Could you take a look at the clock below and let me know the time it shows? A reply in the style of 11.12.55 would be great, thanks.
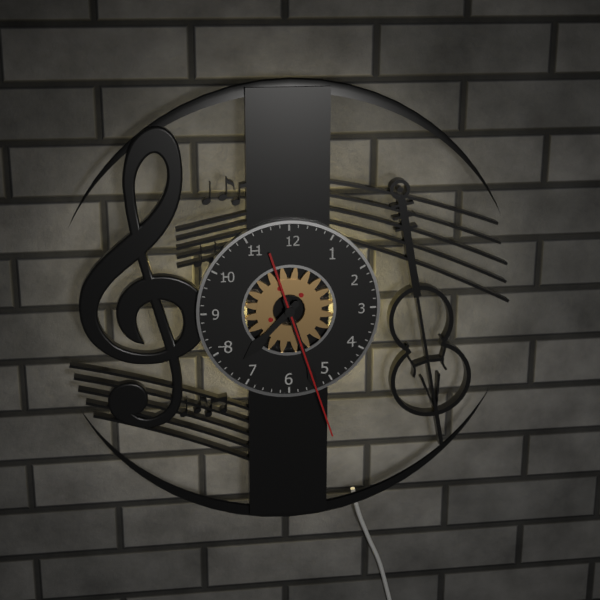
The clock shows 7.27.27
